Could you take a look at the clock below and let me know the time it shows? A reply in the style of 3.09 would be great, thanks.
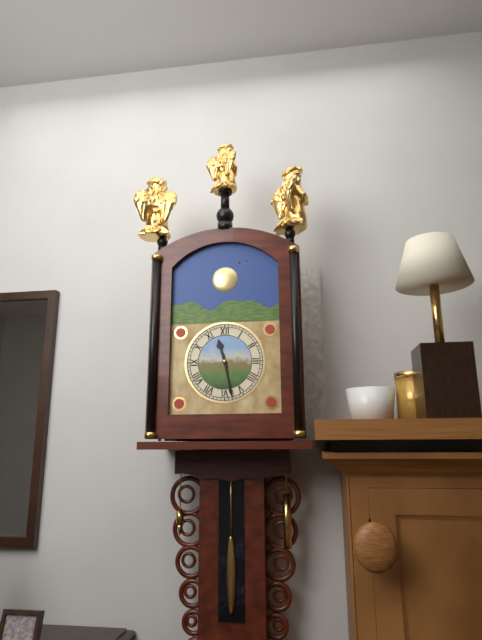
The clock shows 11.28
